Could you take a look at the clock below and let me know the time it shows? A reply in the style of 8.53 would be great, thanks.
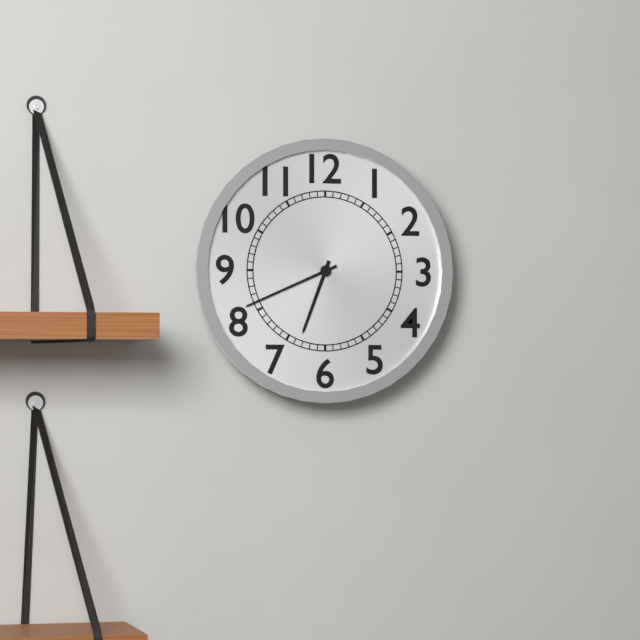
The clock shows 6.41
